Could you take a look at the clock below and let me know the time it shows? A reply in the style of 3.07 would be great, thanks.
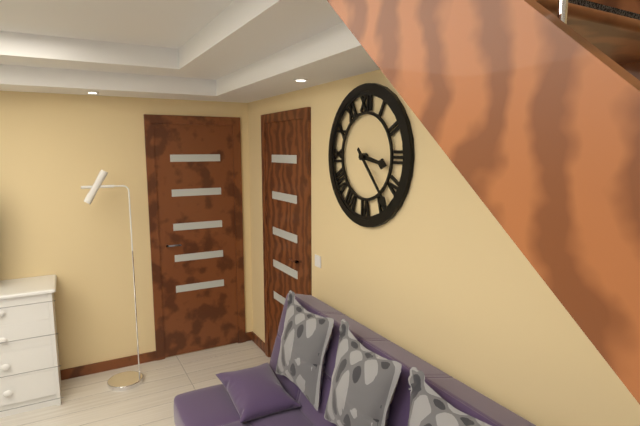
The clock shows 3.23
